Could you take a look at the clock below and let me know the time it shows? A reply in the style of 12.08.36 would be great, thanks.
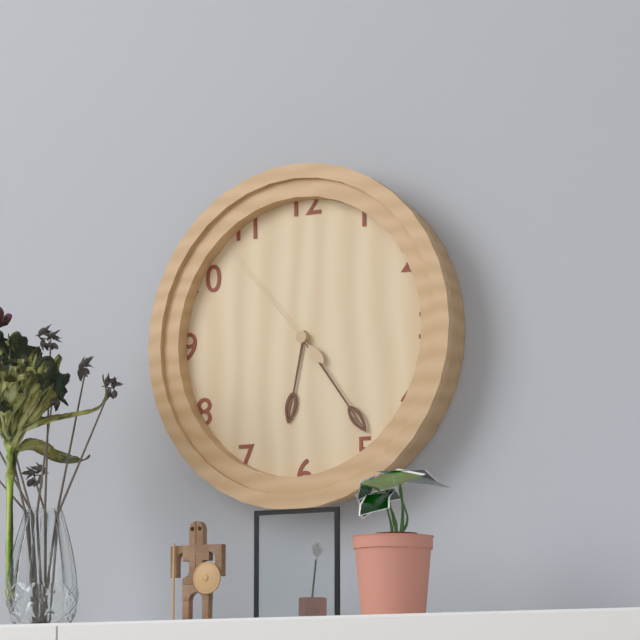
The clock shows 6.24.53
